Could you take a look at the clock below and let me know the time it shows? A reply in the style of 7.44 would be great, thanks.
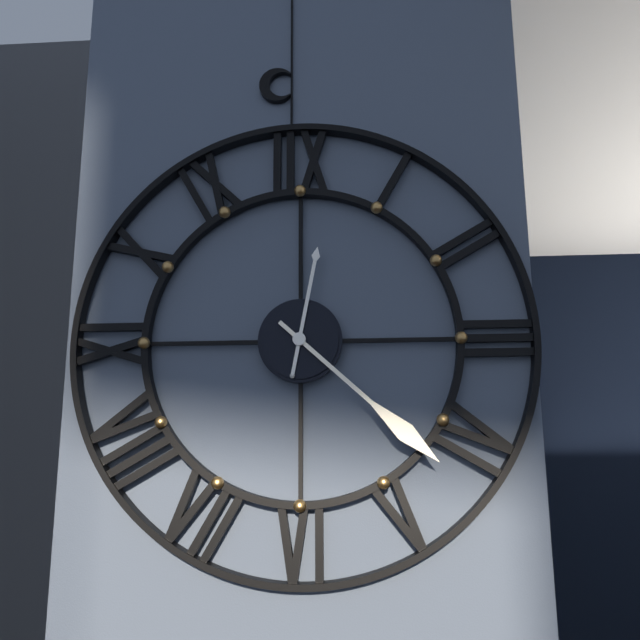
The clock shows 12.22
